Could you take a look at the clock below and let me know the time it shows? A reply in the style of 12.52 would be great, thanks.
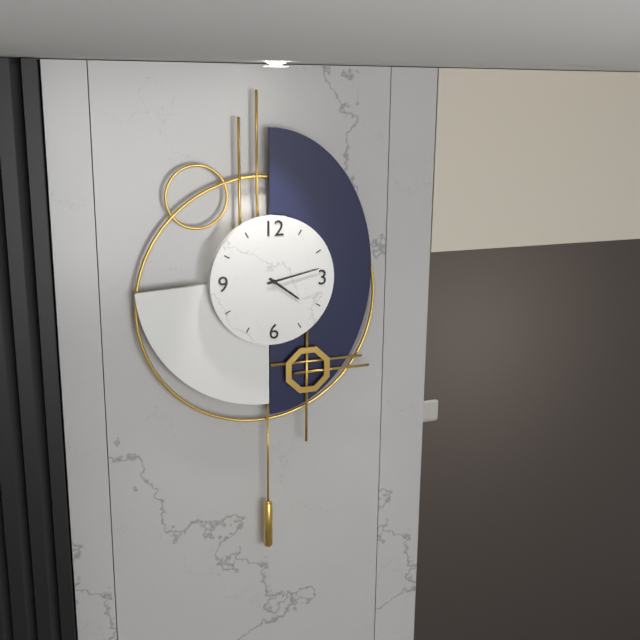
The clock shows 4.13
